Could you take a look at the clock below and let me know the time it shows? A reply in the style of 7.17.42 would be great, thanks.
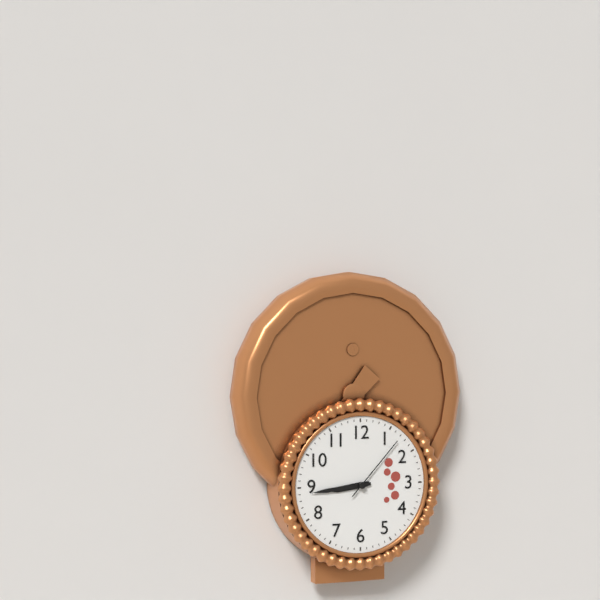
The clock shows 8.44.07
